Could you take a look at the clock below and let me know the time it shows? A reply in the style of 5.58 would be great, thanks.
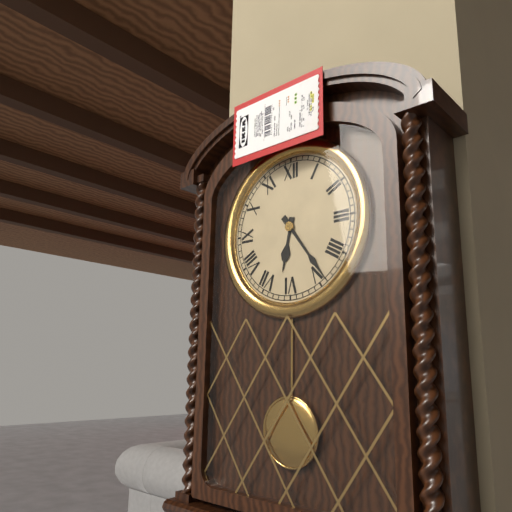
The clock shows 6.24
